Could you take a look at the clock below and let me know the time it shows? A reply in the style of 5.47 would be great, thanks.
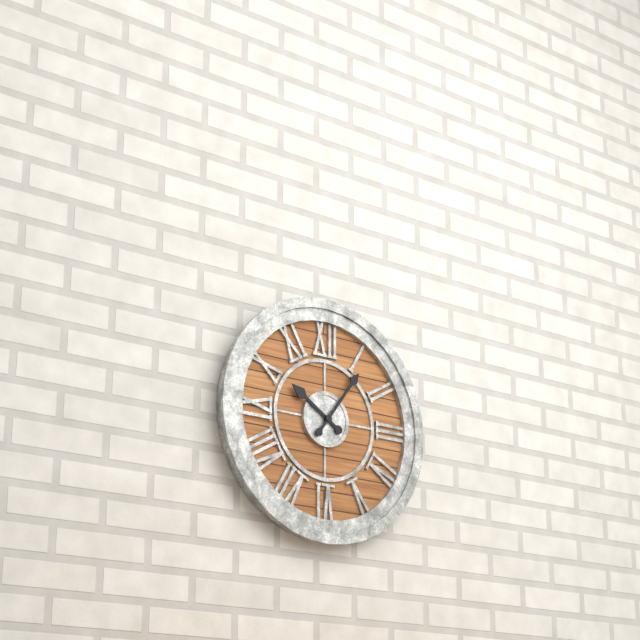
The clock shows 10.06
